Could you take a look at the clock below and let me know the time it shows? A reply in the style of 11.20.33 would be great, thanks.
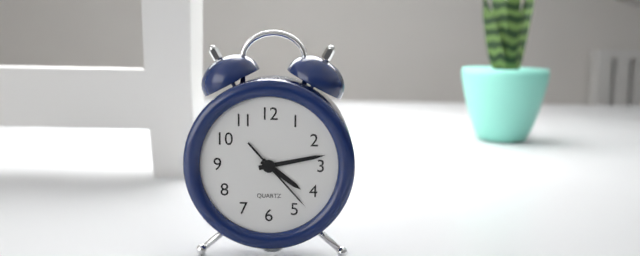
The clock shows 4.13.23
